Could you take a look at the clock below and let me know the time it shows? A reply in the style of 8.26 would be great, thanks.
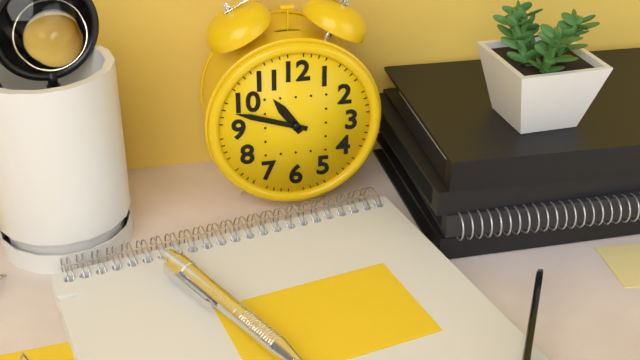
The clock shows 10.48
